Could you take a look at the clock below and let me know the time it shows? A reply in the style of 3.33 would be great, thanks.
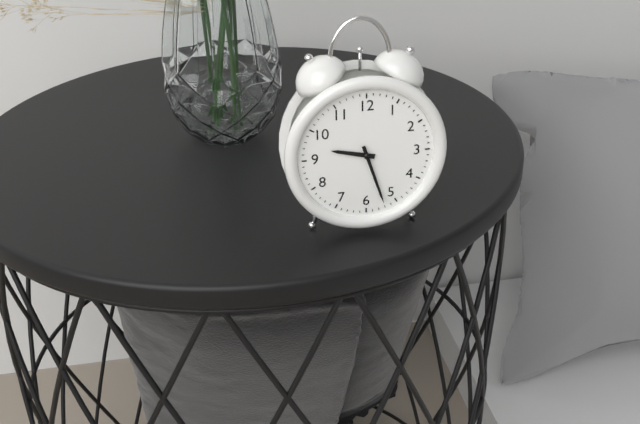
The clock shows 9.27
